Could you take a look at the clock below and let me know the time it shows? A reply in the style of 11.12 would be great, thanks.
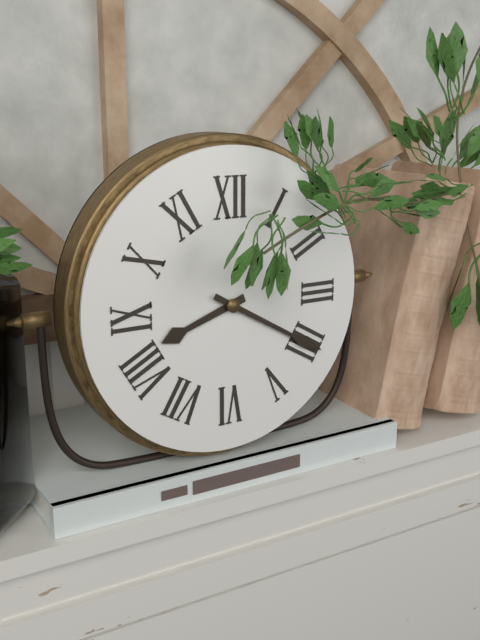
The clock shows 8.20
